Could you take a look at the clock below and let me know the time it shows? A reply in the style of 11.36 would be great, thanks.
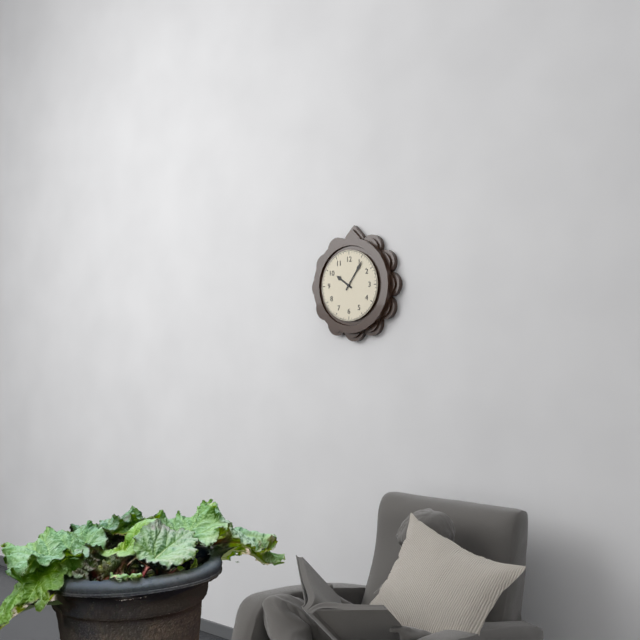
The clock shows 10.06
